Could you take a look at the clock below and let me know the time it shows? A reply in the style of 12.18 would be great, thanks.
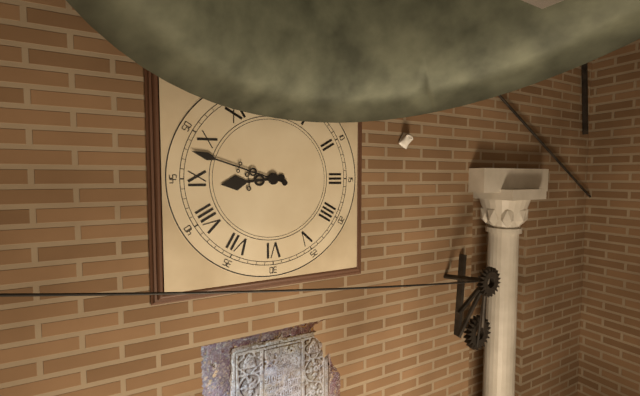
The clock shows 8.48
